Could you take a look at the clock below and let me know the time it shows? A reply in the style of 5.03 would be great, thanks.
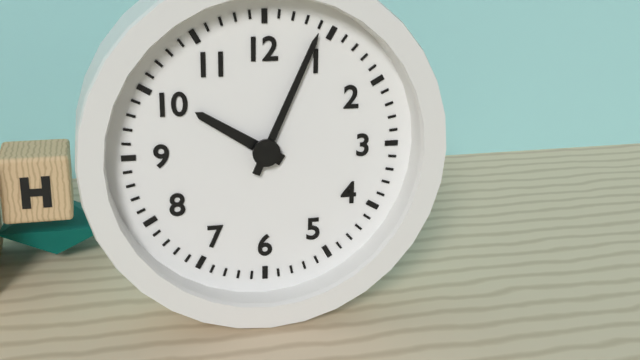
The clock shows 10.04
